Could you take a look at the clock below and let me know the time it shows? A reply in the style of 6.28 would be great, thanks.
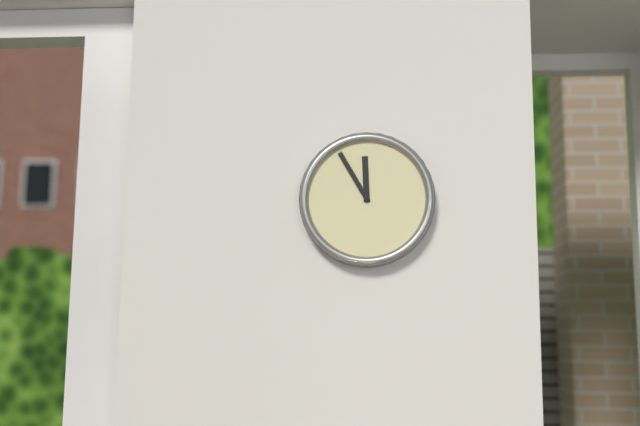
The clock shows 11.55
